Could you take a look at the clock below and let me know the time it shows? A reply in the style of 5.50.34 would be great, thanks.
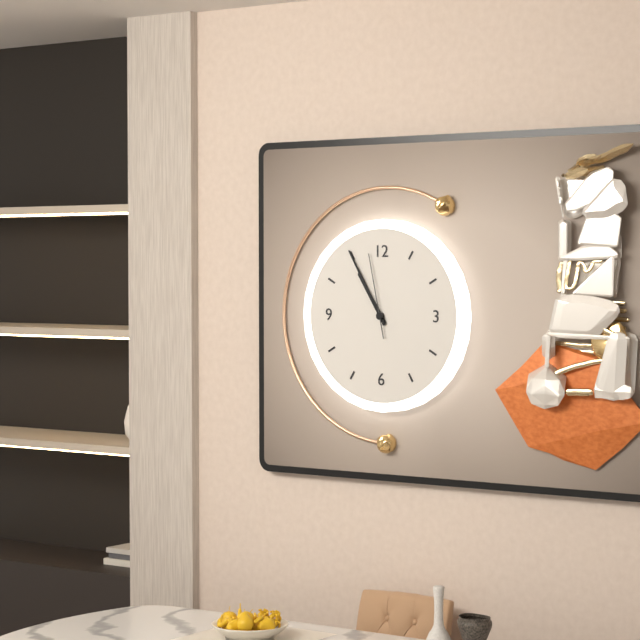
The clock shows 10.55.58
